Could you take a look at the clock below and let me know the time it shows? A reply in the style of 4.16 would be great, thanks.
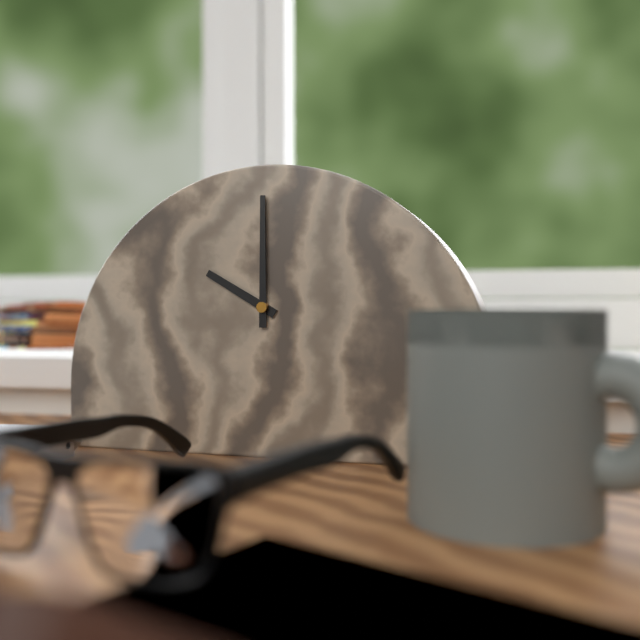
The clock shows 10.00
